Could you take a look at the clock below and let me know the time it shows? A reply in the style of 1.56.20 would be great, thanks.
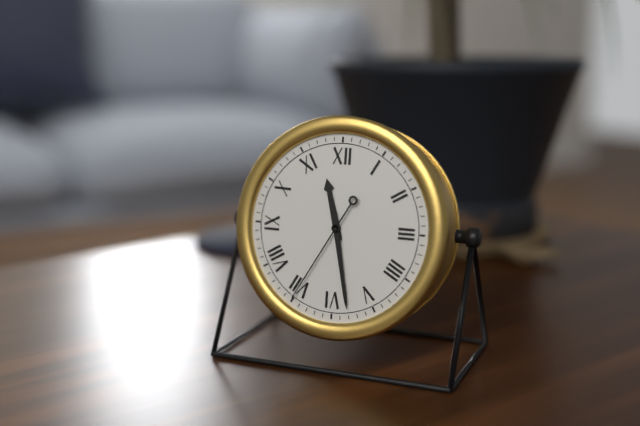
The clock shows 11.28.35
